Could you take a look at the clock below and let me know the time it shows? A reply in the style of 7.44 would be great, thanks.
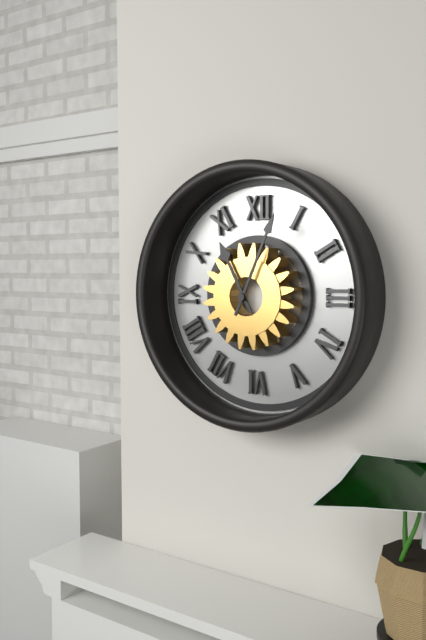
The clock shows 11.04
